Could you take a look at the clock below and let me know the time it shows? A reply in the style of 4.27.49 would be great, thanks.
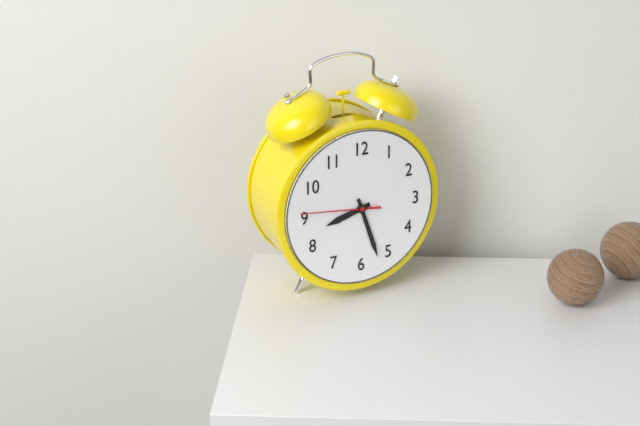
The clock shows 8.27.46
